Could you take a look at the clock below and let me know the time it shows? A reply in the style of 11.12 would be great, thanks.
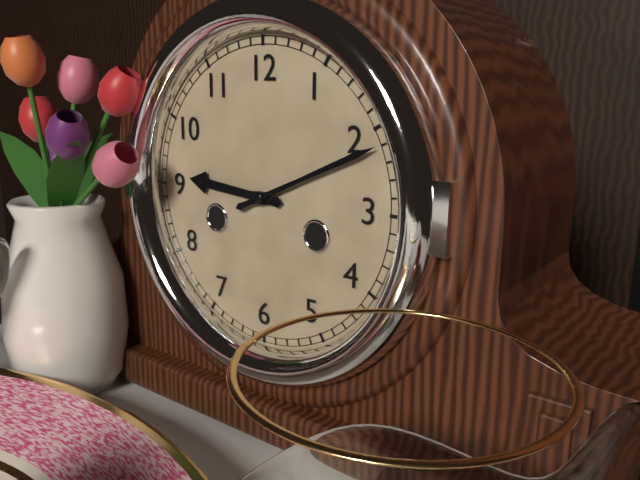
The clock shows 9.11
